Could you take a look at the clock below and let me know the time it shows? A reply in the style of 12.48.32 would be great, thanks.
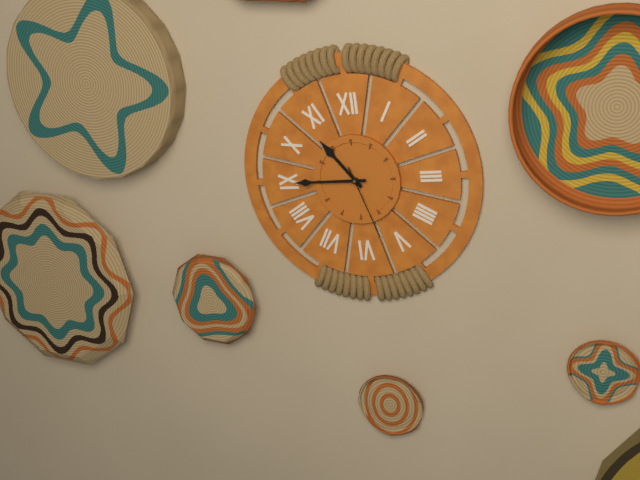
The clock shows 10.45.27
